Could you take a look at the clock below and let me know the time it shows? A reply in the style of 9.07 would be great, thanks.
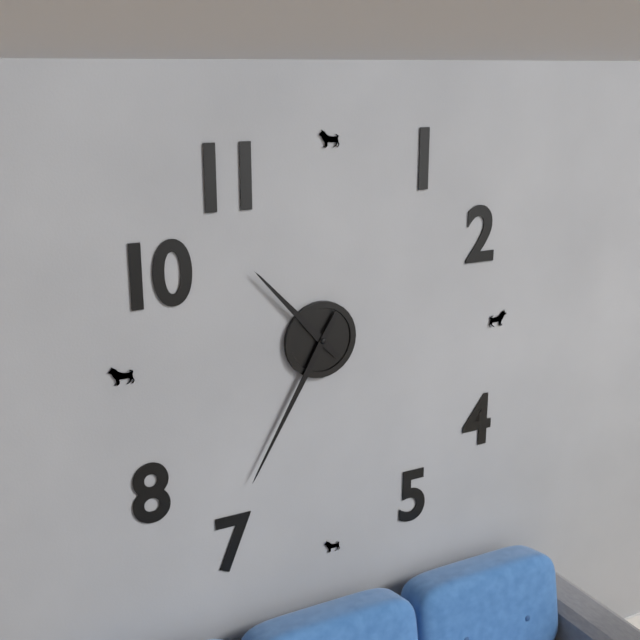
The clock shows 10.35
